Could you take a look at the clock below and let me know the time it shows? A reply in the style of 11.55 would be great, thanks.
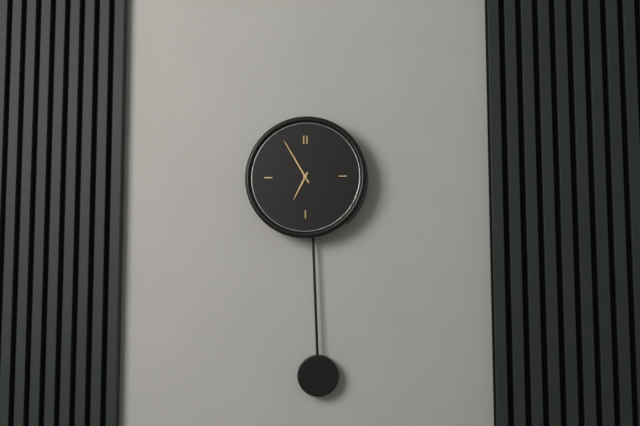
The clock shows 6.55
